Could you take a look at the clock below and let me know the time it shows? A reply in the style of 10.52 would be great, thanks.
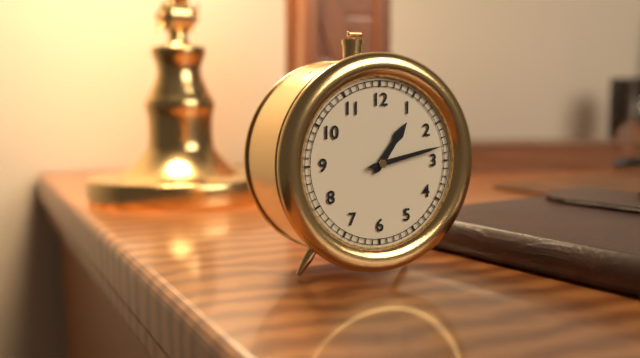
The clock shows 1.13
